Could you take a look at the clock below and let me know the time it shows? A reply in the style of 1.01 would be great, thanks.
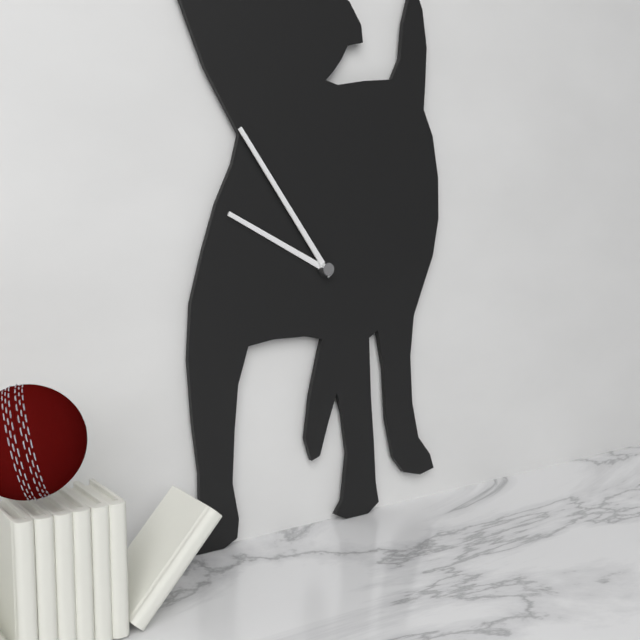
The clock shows 9.54
